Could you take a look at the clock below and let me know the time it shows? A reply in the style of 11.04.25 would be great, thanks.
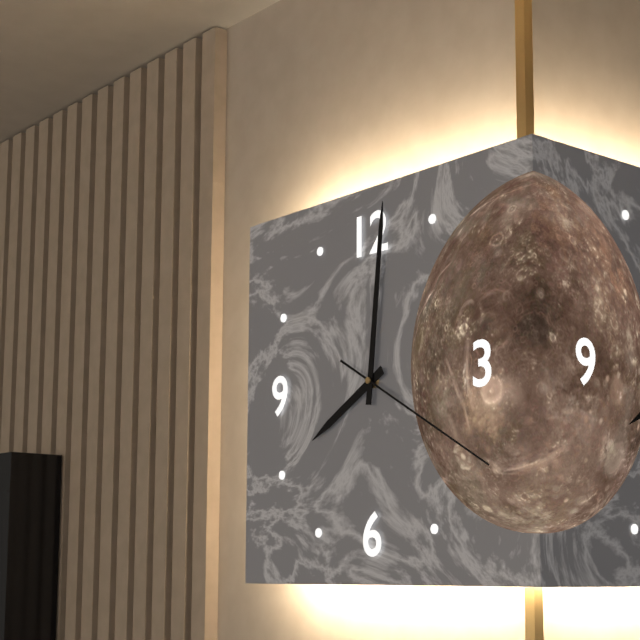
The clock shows 8.01.20
